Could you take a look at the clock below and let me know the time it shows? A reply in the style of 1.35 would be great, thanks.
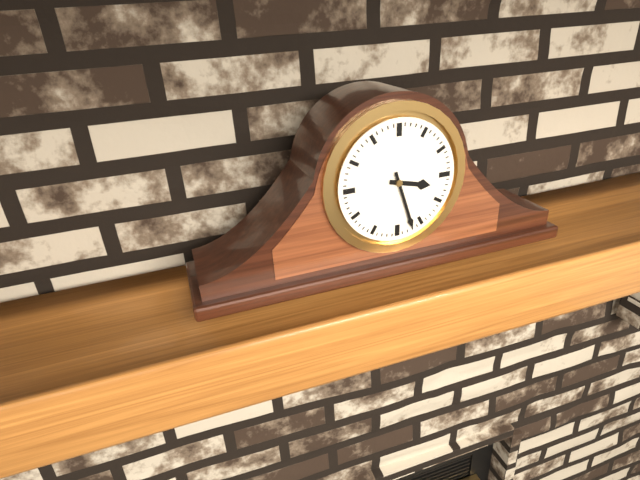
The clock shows 3.27
